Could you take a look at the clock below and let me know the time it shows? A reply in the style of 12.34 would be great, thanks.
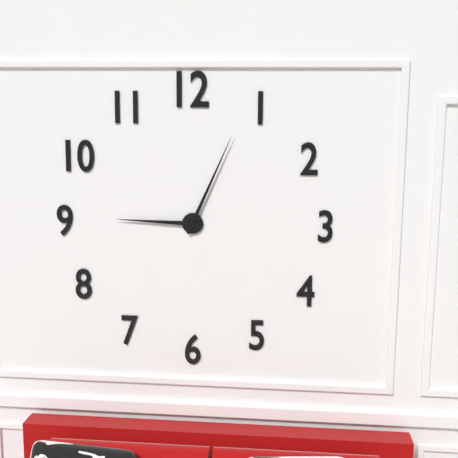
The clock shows 9.04
